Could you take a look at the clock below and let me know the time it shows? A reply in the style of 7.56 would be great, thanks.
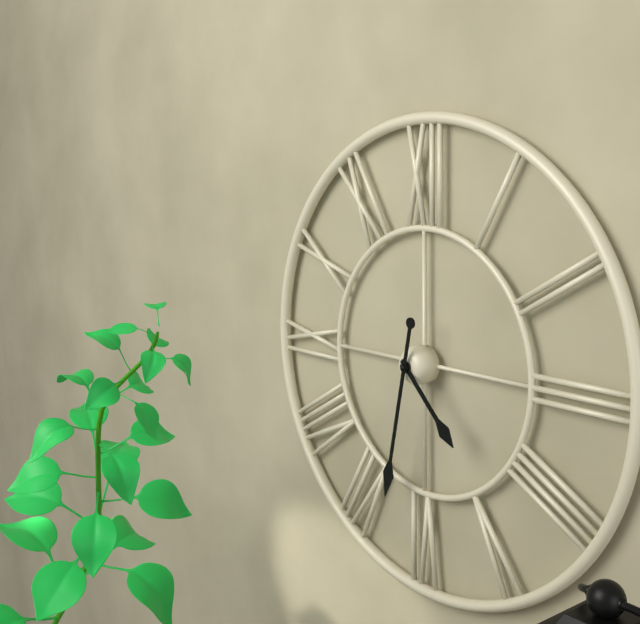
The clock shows 4.32
